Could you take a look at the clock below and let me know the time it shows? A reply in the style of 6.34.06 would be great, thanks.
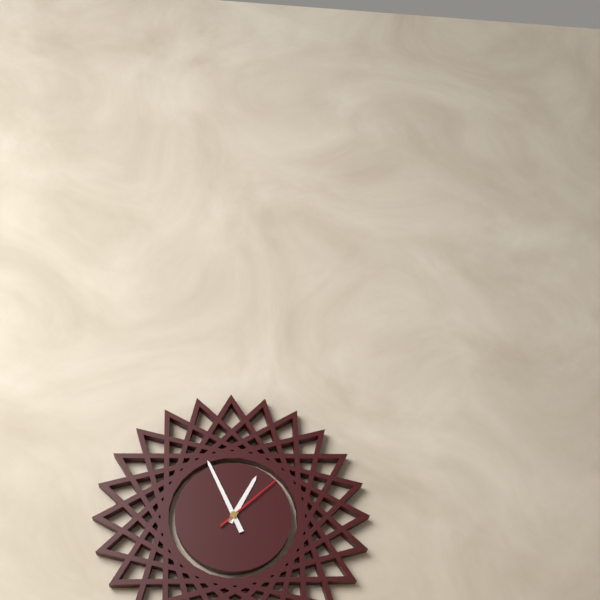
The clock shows 12.56.08
